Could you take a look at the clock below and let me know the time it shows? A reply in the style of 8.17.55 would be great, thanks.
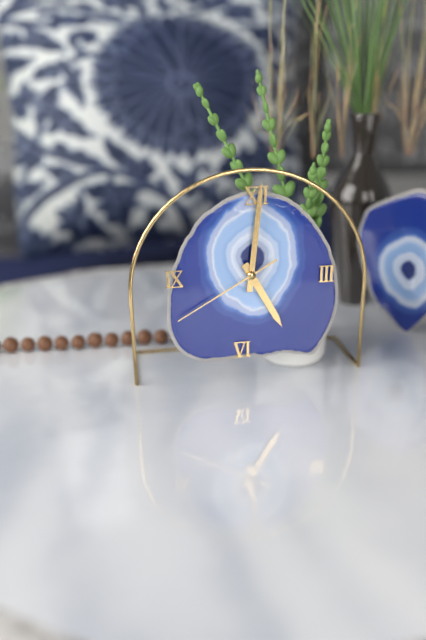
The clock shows 5.01.40
